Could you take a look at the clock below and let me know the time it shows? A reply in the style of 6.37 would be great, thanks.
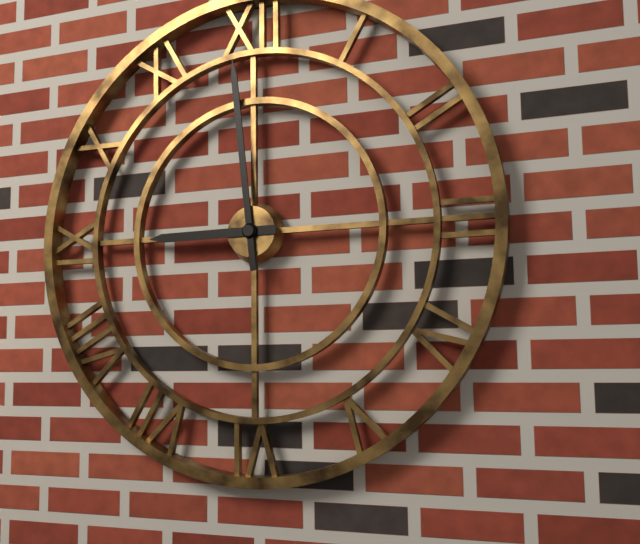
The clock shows 8.59
